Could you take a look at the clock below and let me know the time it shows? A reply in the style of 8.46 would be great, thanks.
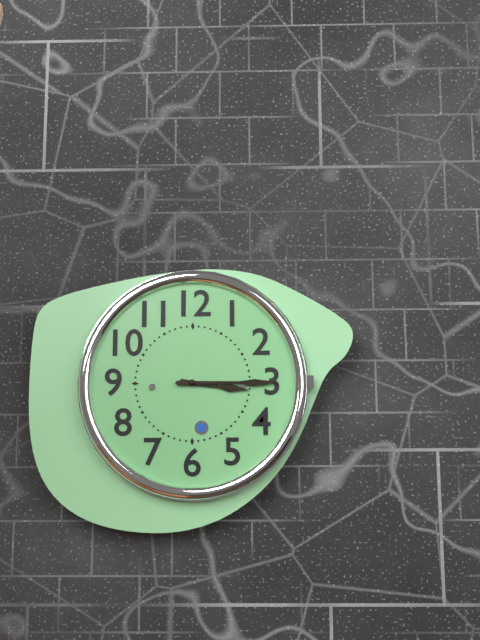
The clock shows 3.15
